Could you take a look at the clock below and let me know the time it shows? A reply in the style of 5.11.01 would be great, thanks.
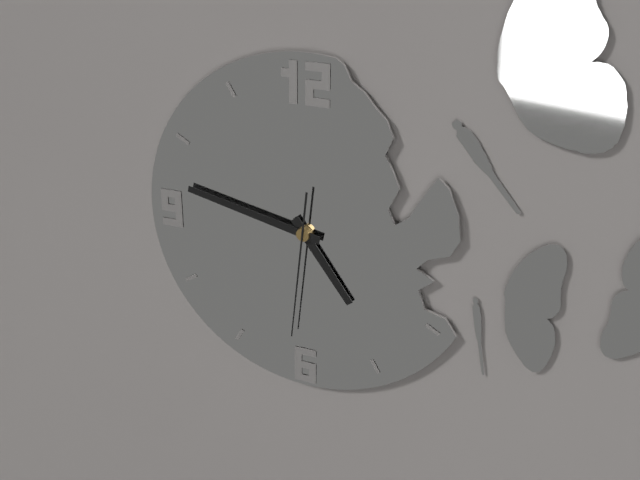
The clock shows 4.47.31
